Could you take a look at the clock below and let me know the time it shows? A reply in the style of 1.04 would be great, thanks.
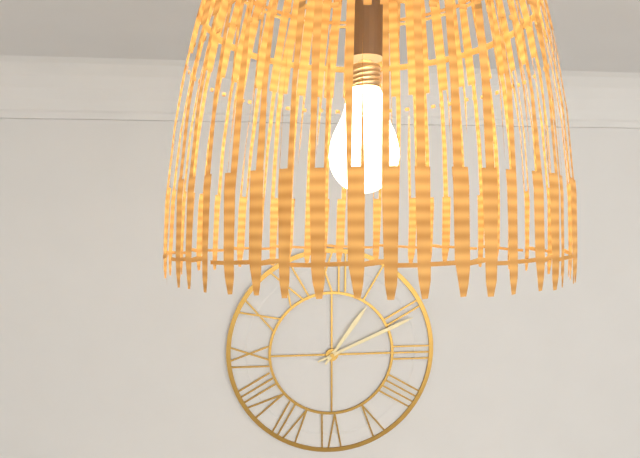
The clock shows 1.11
